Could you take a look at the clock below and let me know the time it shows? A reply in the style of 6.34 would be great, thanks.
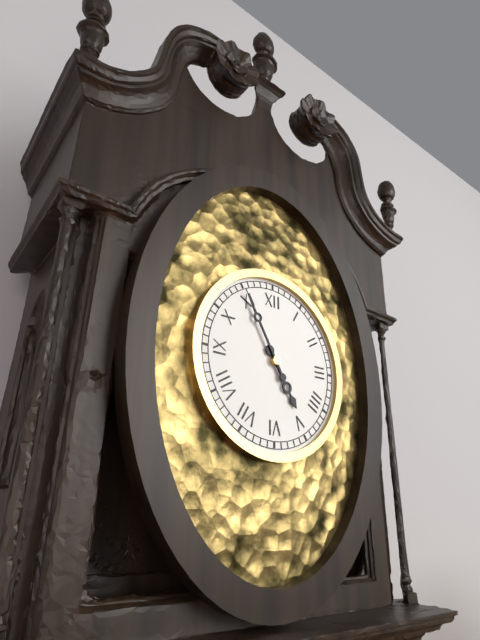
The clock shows 4.55
